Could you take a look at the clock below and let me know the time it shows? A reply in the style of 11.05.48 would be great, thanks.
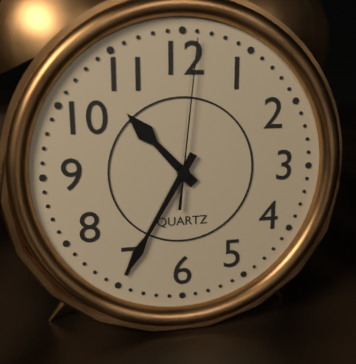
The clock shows 10.35.01
